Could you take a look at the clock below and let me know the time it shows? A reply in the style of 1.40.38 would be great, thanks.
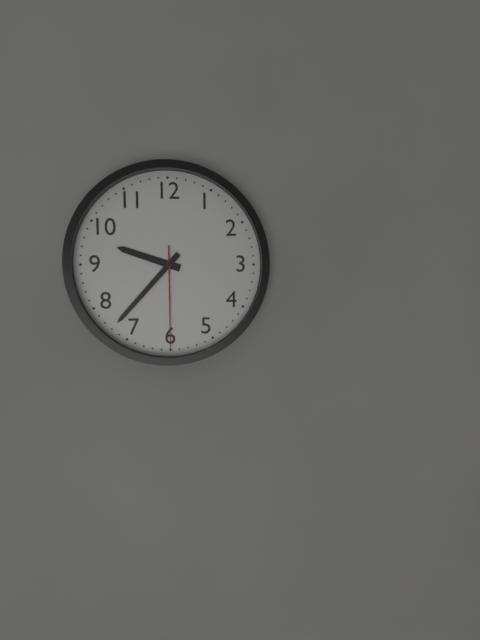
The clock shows 9.37.30
